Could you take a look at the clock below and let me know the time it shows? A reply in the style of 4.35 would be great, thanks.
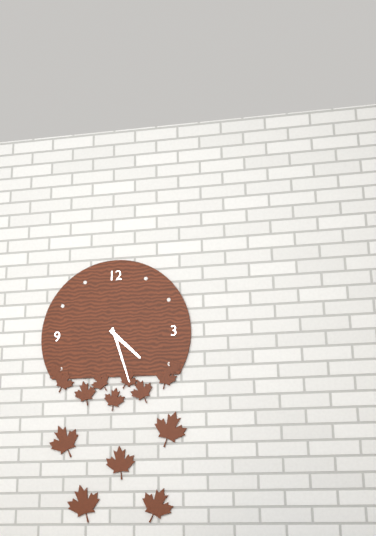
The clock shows 4.27
